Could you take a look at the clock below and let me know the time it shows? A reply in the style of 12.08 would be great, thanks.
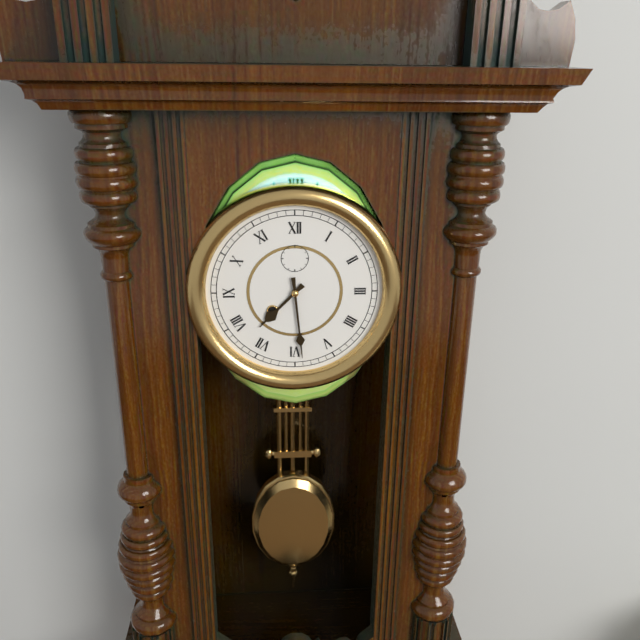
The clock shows 7.29
